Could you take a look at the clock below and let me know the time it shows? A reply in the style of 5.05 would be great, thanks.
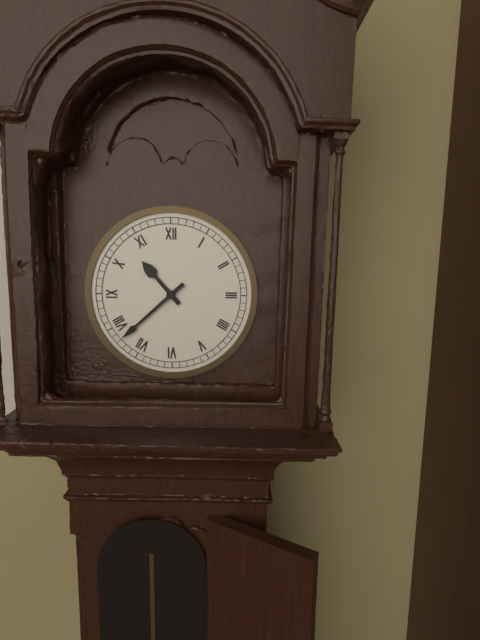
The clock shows 10.38
